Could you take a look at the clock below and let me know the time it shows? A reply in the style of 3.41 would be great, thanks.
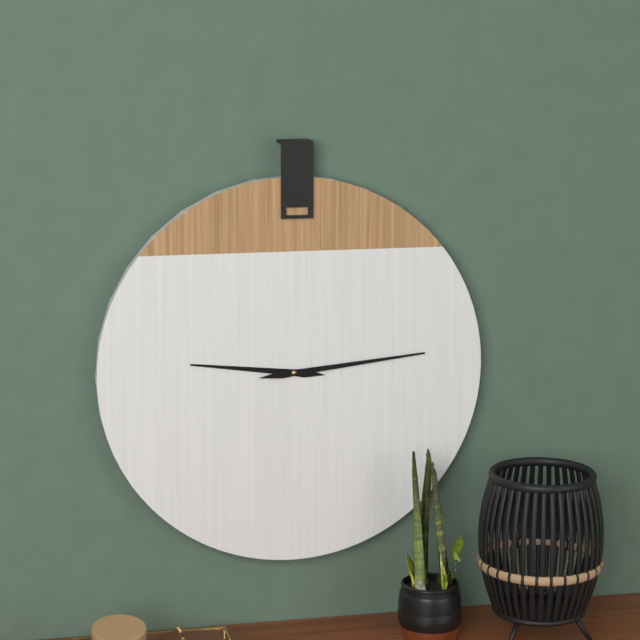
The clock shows 9.14
